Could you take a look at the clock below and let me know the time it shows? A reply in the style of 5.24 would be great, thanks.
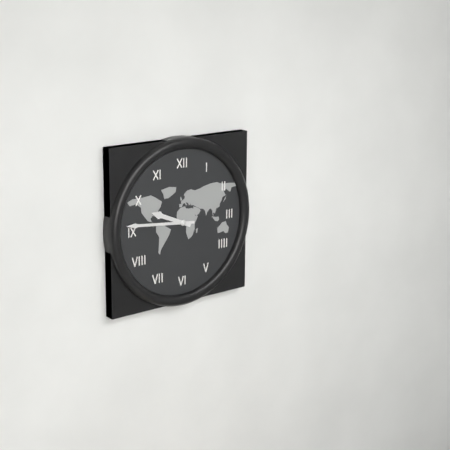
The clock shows 9.46
